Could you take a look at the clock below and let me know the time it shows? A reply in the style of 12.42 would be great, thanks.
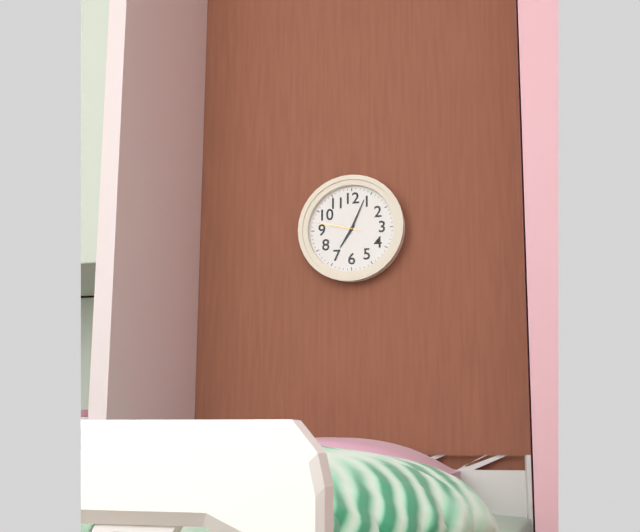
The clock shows 7.04
